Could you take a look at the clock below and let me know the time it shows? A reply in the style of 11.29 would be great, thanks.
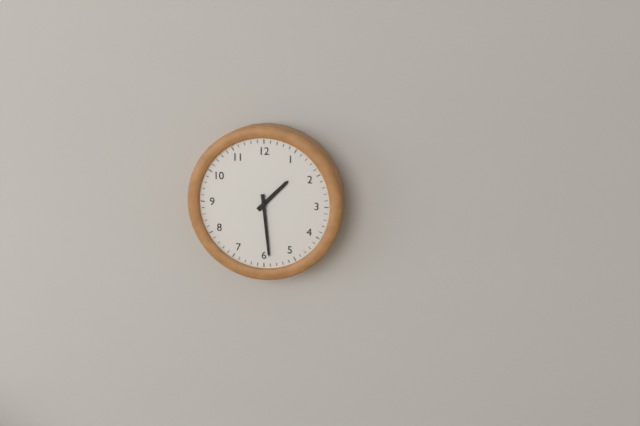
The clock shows 1.29
